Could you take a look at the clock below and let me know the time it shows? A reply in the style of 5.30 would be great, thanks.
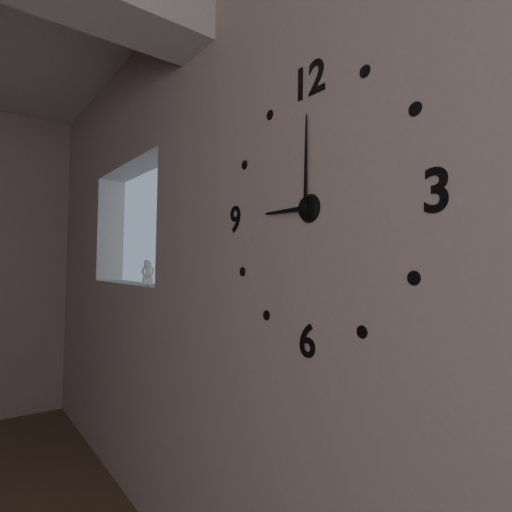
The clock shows 9.00
